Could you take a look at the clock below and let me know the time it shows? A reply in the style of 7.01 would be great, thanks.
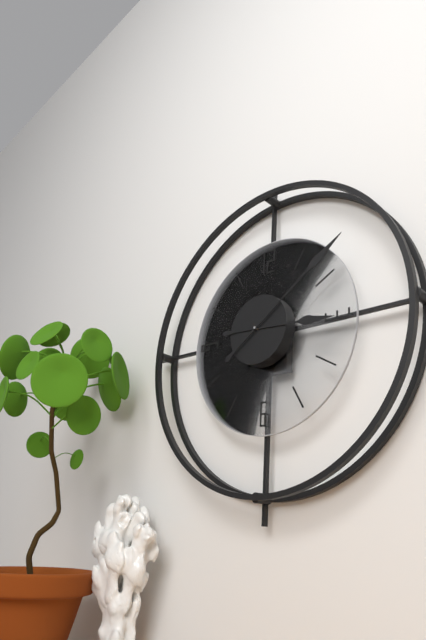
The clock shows 3.09
